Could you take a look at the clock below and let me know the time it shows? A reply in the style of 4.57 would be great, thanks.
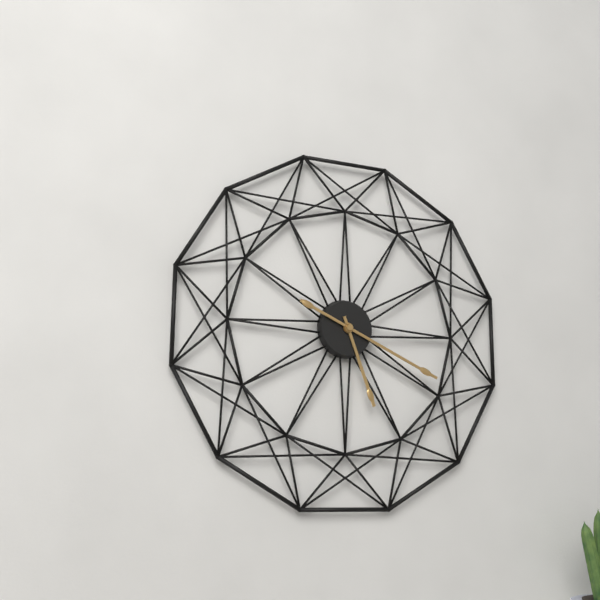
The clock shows 5.19
